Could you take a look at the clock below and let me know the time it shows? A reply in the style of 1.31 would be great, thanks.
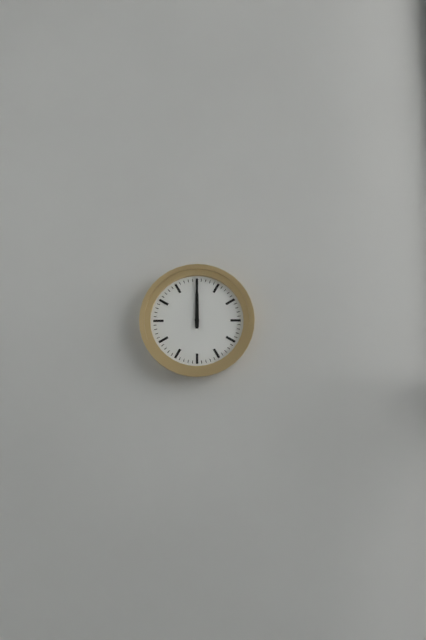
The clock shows 12.00
